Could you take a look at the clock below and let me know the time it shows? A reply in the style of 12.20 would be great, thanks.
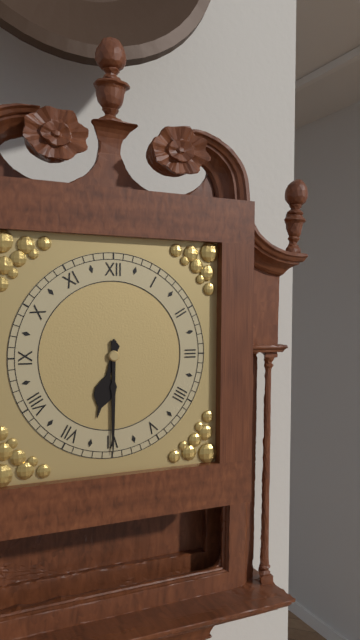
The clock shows 6.30
